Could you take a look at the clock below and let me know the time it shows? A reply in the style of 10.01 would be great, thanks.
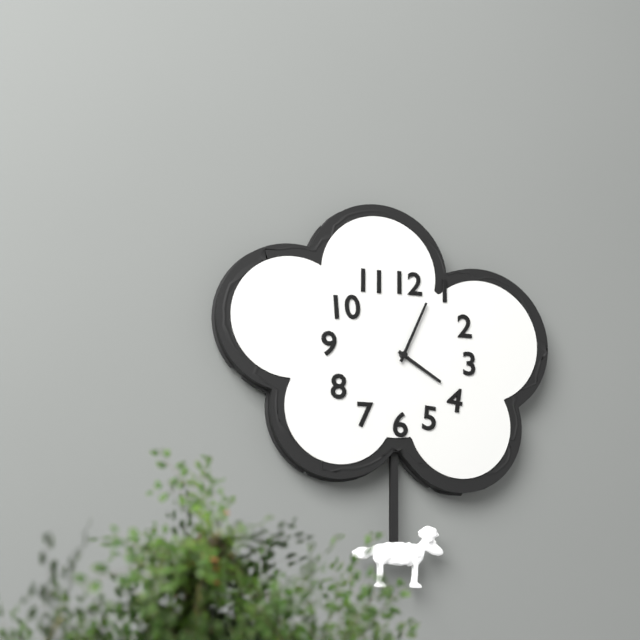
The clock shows 4.04
